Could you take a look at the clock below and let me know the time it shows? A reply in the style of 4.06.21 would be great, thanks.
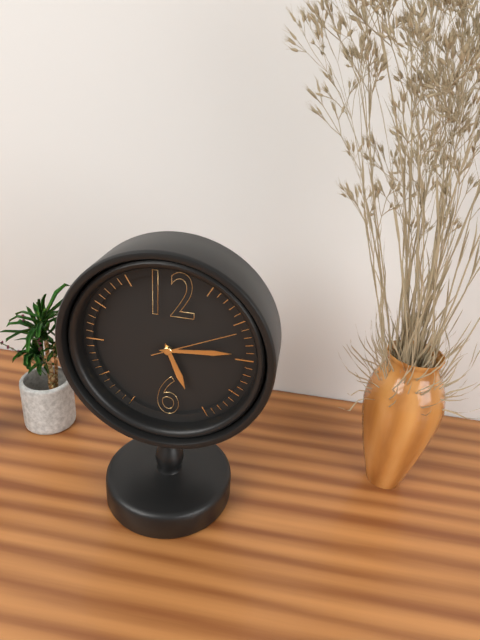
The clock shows 5.14.11
